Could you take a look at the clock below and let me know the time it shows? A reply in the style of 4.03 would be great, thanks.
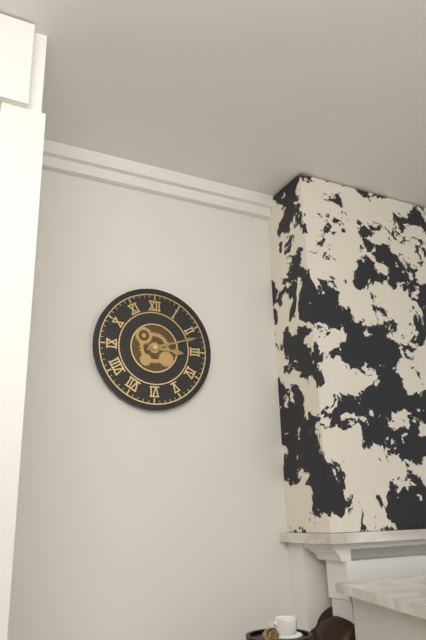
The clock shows 3.12
